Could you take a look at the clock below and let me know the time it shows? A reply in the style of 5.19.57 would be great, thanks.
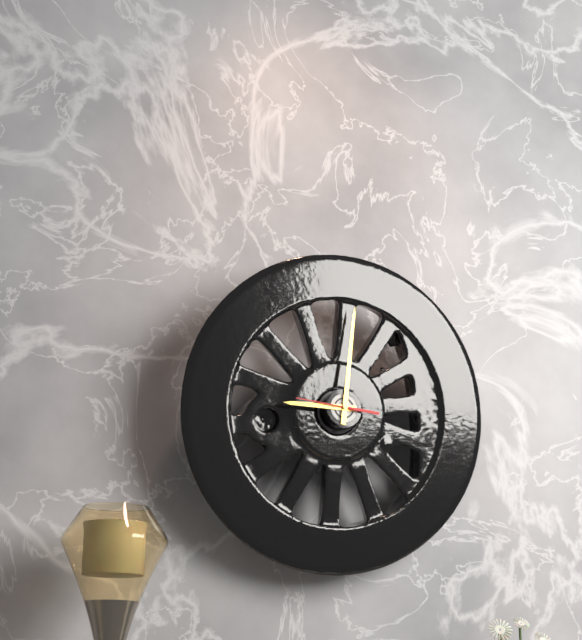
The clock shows 9.01.46
